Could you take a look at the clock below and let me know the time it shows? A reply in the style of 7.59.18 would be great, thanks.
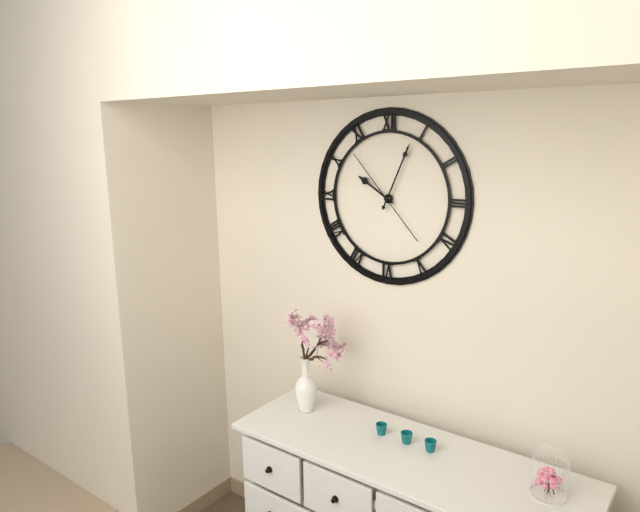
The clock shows 10.04.53
